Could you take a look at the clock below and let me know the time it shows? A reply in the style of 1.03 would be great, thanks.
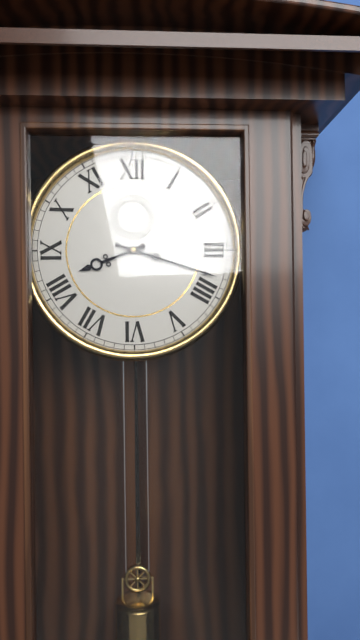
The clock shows 8.18
